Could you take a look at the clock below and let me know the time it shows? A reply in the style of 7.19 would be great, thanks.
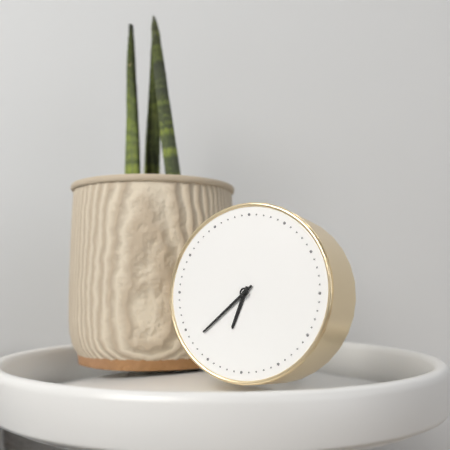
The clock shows 6.38
